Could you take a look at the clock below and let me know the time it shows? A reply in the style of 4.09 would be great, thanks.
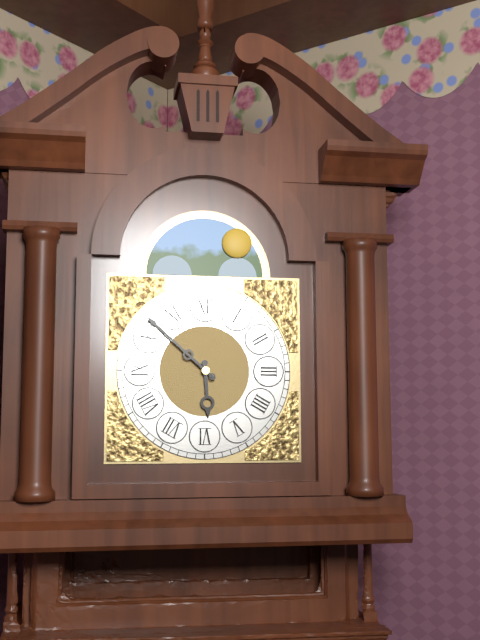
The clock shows 5.52
